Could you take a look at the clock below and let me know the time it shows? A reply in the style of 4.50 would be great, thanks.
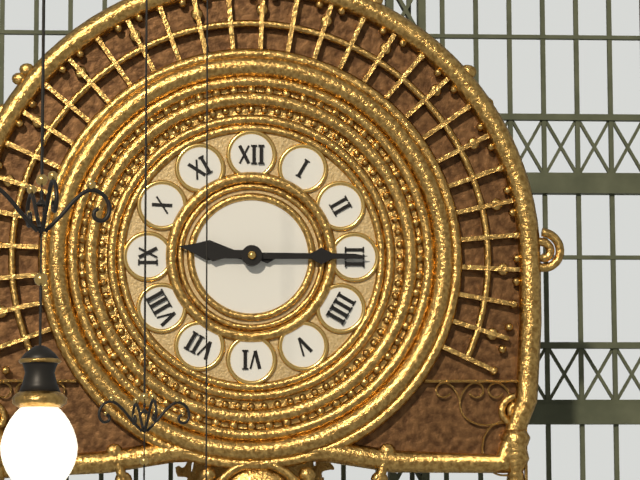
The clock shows 9.15
